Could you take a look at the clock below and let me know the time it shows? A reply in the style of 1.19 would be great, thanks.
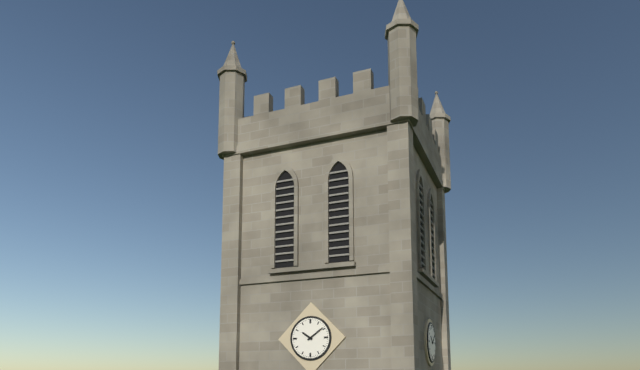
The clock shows 10.09
